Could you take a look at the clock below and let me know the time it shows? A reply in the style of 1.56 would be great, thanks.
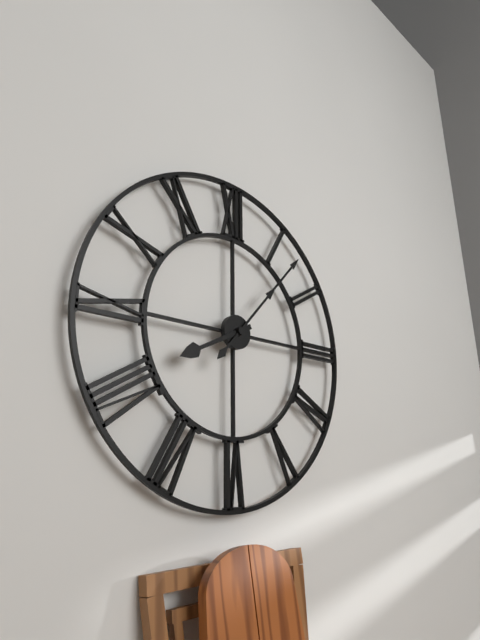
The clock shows 8.07
